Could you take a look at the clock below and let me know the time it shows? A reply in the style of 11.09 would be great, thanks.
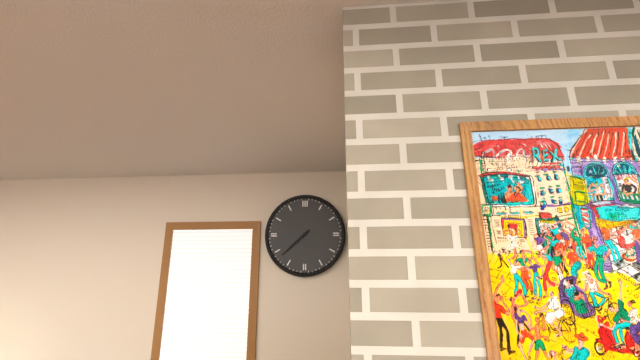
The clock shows 7.38
